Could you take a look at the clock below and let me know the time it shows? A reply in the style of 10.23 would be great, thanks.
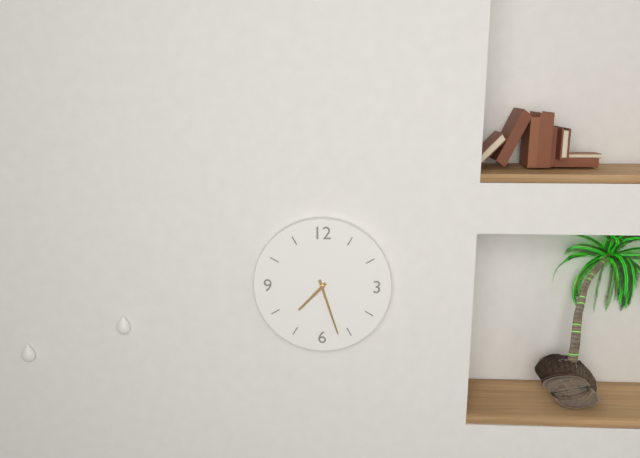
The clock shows 7.27
